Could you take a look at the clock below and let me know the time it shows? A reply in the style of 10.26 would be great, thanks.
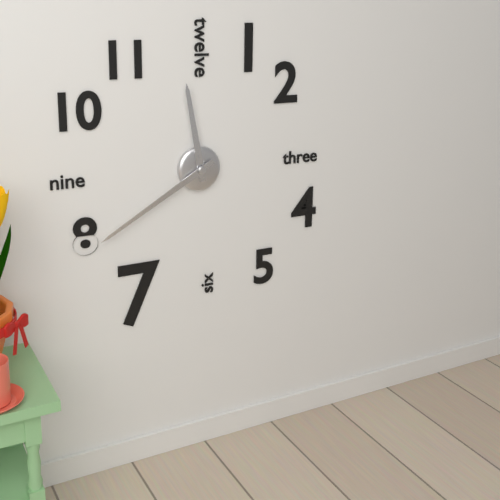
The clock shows 11.40
